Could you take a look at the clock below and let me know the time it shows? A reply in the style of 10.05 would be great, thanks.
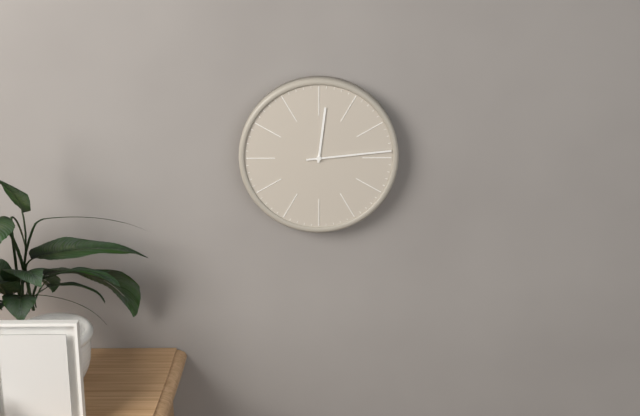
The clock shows 12.14
